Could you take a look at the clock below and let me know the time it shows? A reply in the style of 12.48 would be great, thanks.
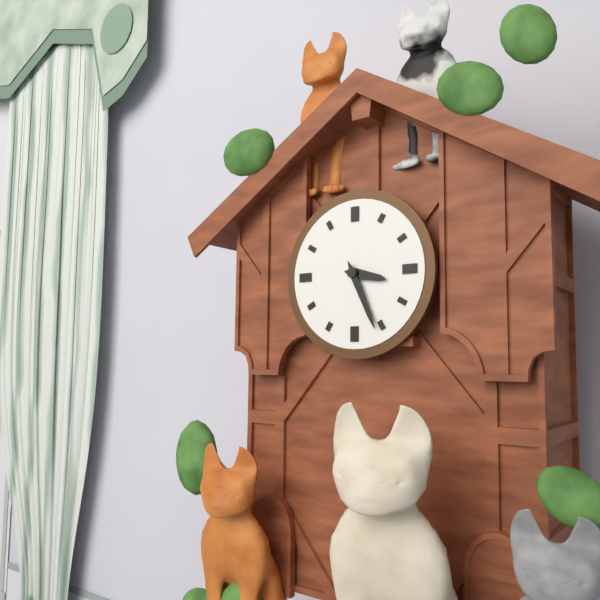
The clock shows 3.26
